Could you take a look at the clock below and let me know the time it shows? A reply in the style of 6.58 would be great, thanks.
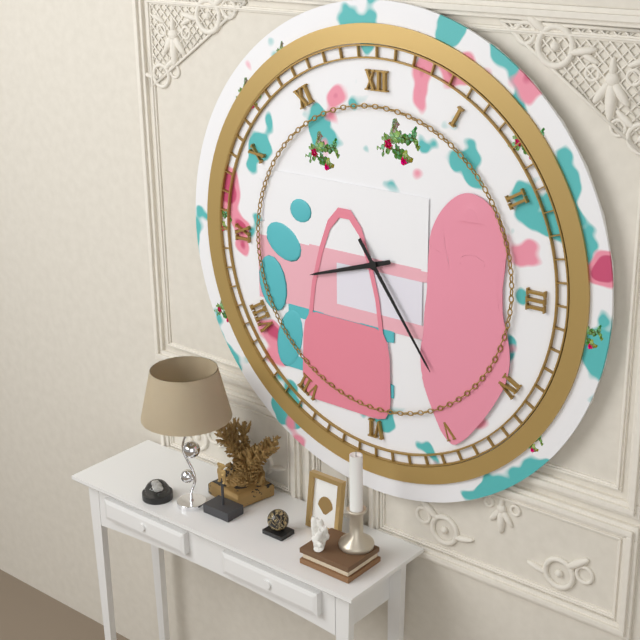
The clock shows 8.24
